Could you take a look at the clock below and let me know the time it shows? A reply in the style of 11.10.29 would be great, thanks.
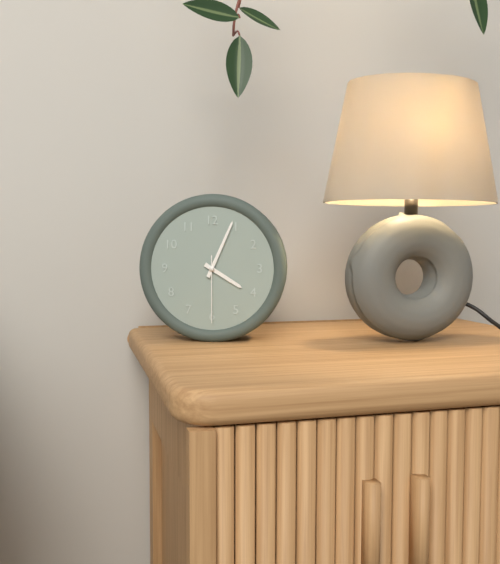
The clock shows 4.04.30
